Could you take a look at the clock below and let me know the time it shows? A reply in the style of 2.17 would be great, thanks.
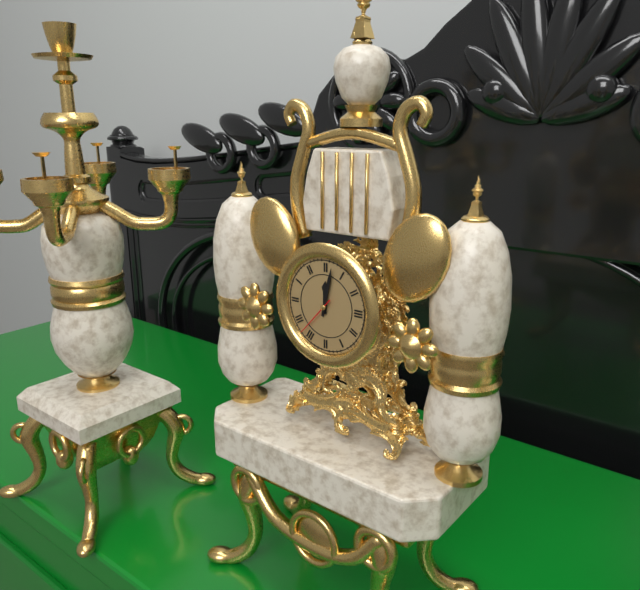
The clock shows 12.02
